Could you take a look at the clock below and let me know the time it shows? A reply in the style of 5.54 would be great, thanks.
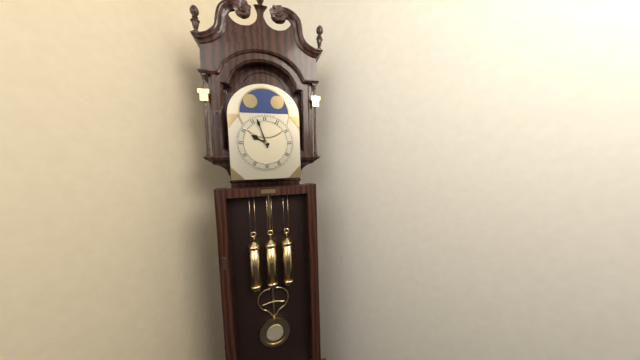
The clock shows 9.57
